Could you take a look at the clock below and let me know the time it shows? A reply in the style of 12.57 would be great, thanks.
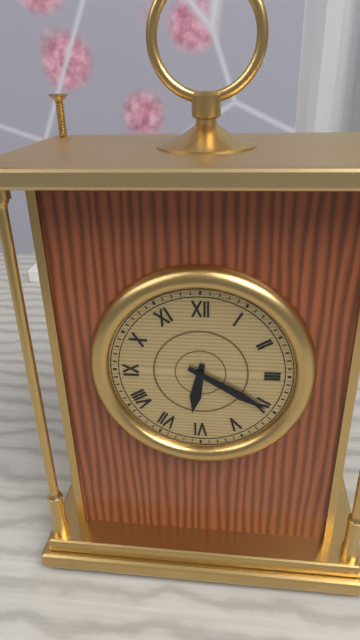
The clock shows 6.20
